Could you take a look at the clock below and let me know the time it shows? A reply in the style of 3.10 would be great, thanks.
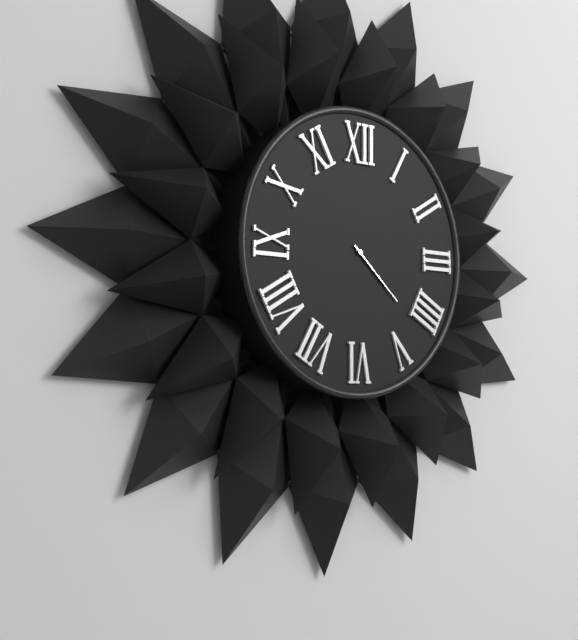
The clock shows 4.22
